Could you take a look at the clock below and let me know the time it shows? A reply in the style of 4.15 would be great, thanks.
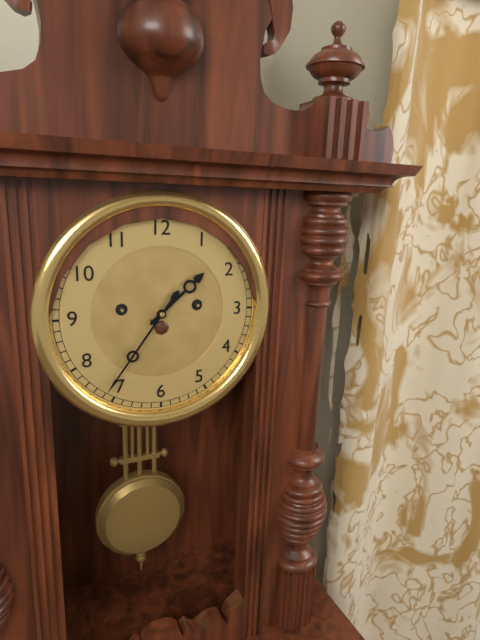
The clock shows 1.36
